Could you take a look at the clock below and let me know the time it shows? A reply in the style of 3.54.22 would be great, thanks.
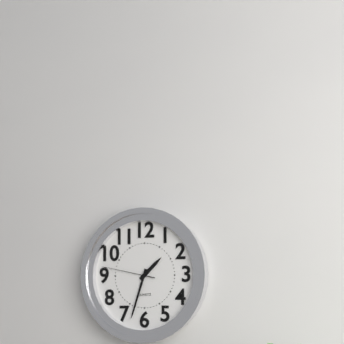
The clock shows 1.33.47
